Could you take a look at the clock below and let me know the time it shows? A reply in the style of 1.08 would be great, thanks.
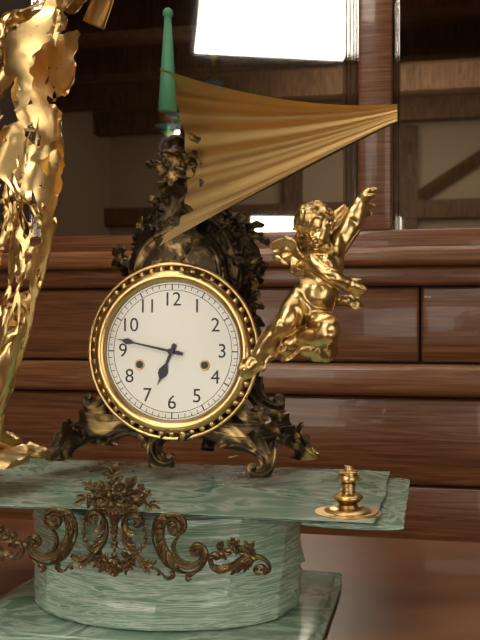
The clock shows 6.47
